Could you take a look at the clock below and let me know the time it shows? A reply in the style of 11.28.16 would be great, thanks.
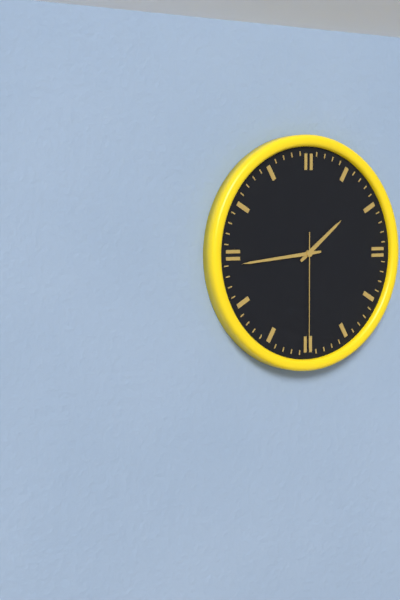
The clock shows 1.44.30
